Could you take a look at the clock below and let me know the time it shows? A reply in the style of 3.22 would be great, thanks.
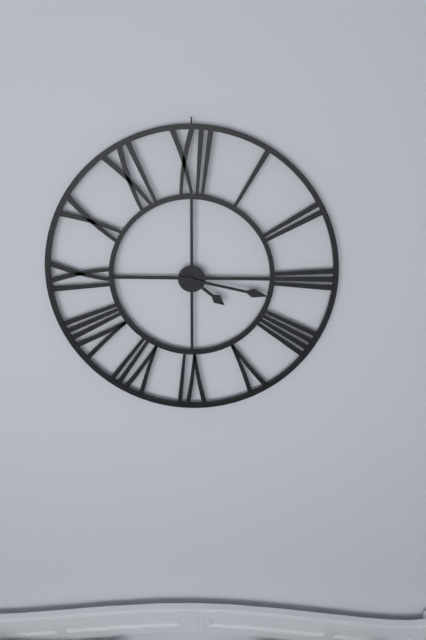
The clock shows 4.17
